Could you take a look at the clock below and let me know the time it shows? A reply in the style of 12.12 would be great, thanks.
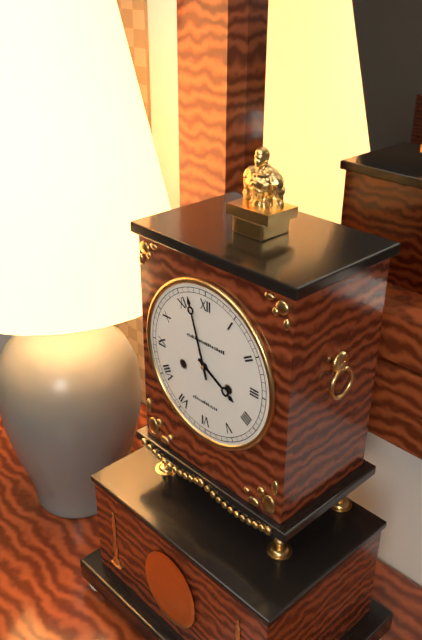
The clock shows 3.57
